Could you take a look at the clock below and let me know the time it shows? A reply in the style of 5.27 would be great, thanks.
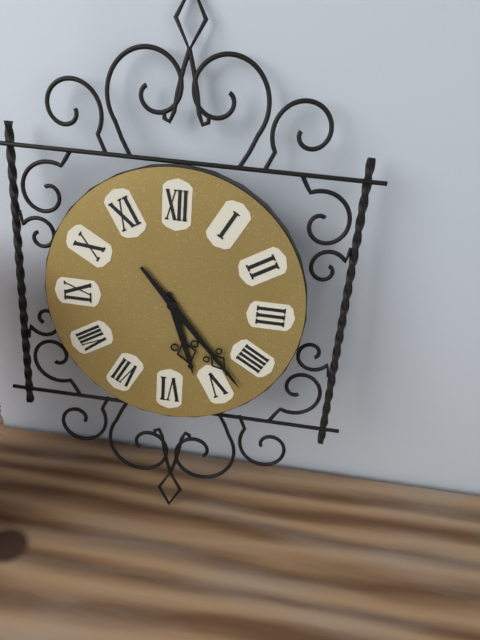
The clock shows 5.23
